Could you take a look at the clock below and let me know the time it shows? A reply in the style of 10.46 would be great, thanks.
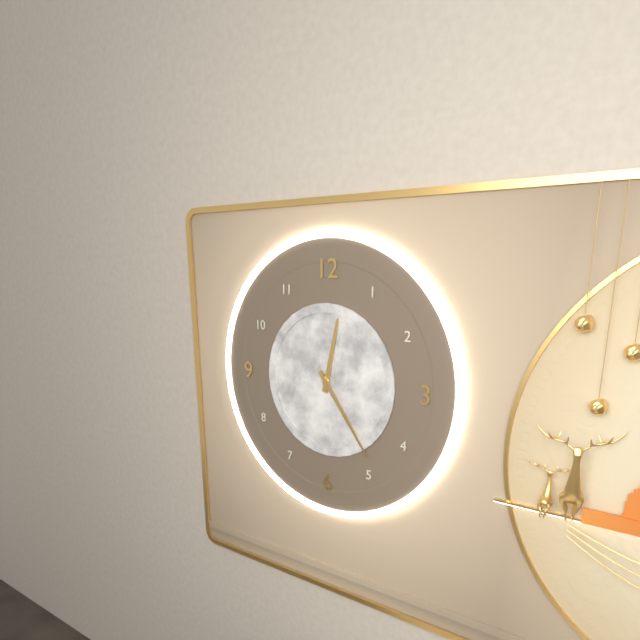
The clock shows 12.24
